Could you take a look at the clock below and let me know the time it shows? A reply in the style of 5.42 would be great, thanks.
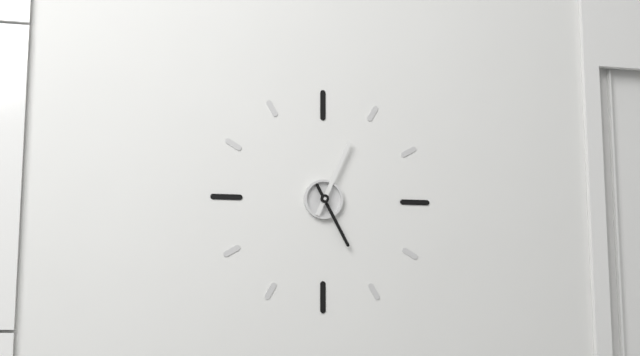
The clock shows 5.04
